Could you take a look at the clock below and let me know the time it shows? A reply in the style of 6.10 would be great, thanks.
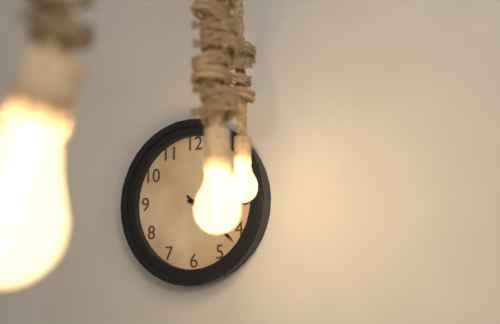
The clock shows 3.22
